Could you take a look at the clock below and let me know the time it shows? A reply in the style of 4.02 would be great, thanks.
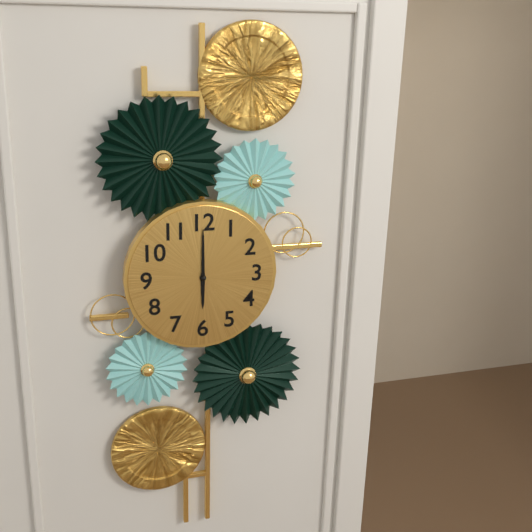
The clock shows 6.00
